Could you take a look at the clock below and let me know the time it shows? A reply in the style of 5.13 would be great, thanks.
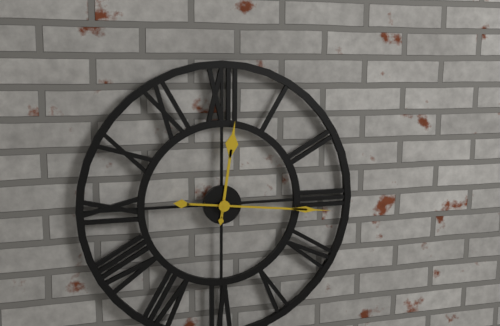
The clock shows 12.16
